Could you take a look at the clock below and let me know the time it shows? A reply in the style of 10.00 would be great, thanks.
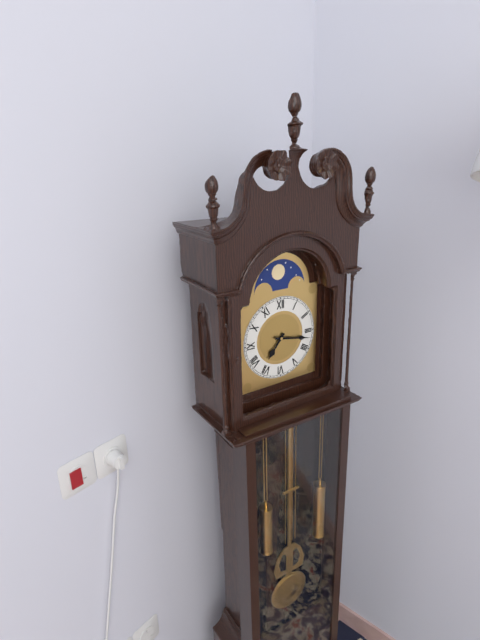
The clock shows 7.17
